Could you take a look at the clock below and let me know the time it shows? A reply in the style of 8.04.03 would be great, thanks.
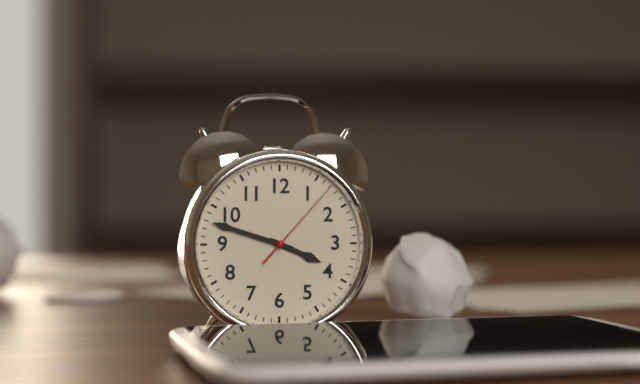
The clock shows 3.48.07
